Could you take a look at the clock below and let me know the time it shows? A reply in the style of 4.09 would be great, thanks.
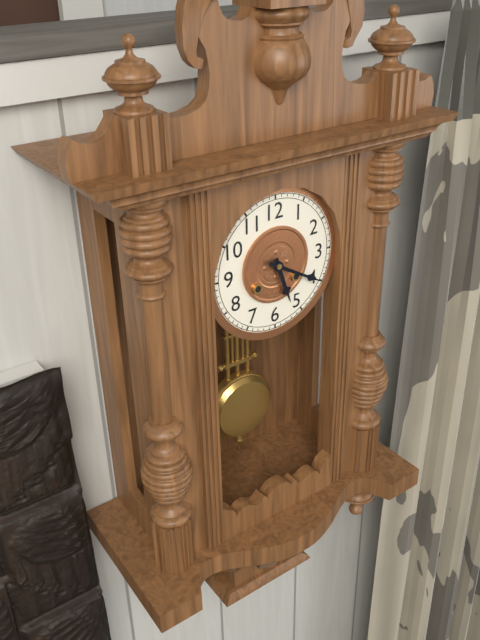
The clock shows 5.20
